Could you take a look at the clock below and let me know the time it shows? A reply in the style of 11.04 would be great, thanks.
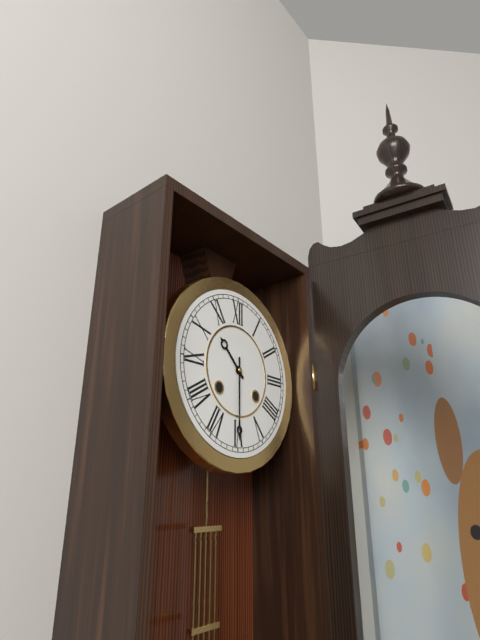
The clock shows 10.30
